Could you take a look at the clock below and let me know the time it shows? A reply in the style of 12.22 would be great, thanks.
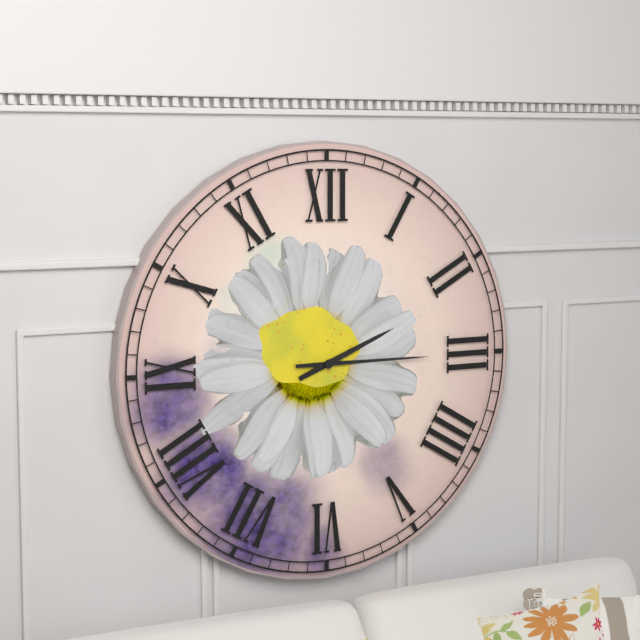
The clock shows 2.15
